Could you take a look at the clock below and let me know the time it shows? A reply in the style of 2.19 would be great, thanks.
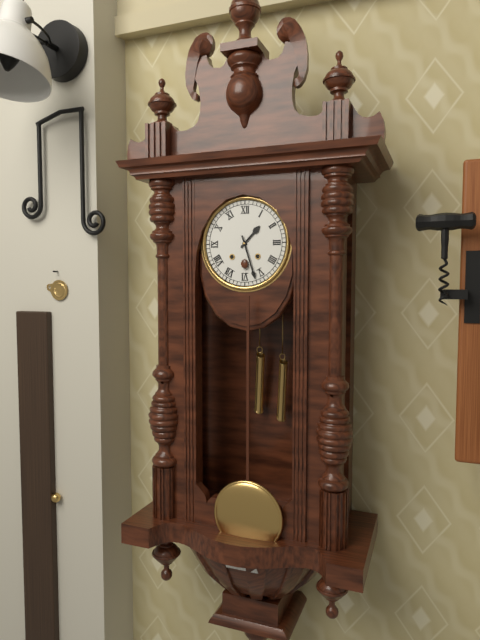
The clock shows 1.27
